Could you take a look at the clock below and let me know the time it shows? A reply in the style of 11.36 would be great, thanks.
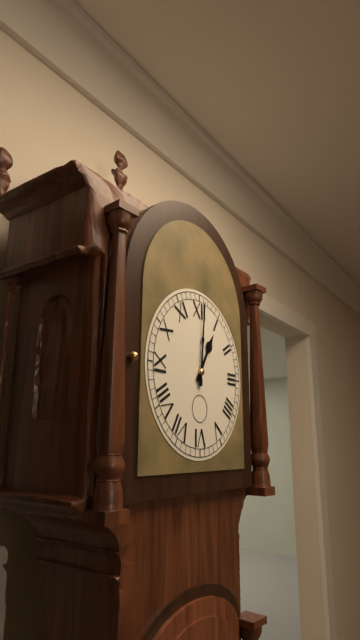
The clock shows 1.01
